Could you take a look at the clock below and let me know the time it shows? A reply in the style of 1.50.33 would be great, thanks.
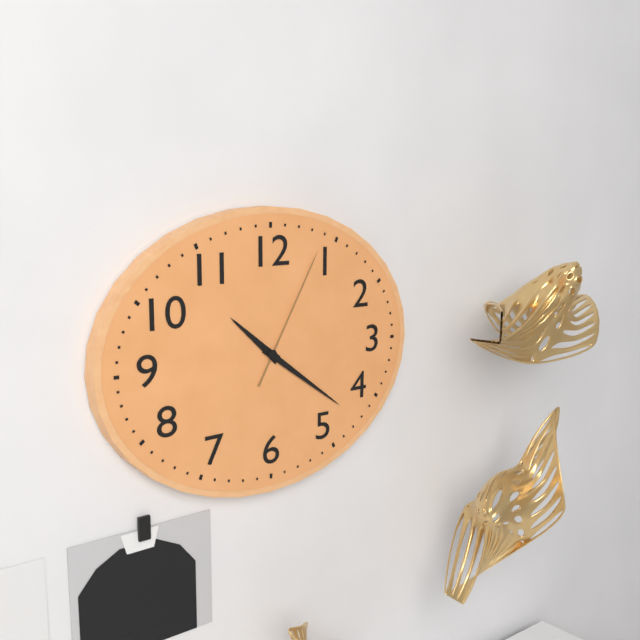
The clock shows 10.21.05
